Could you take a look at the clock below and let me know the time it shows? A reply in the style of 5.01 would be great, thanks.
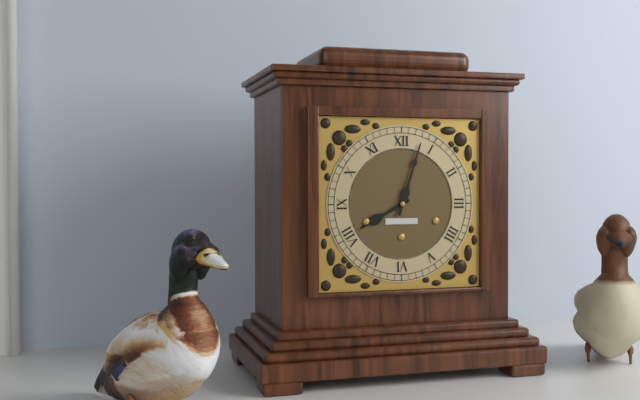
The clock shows 8.03
